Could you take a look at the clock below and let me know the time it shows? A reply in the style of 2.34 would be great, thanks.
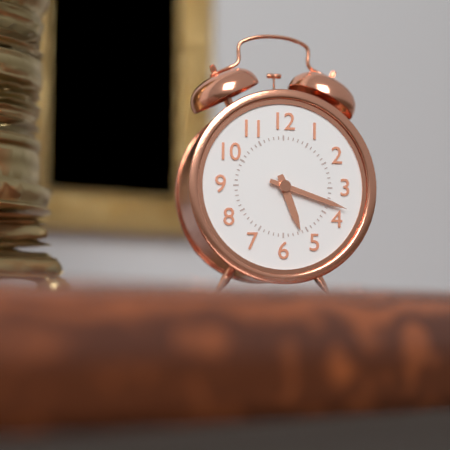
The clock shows 5.18
